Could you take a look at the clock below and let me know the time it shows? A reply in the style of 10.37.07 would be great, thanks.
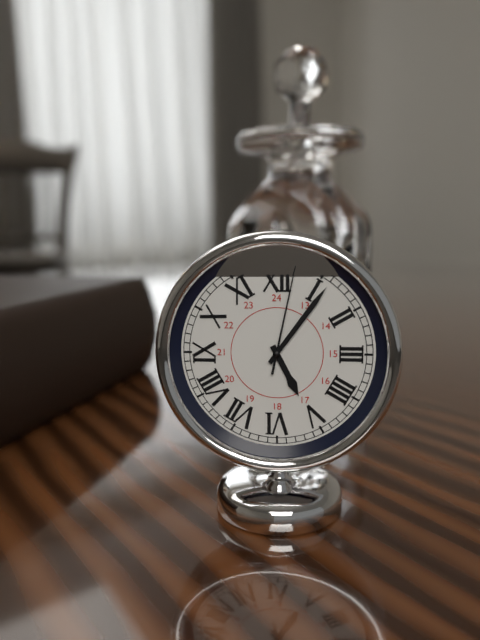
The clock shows 5.06.02
